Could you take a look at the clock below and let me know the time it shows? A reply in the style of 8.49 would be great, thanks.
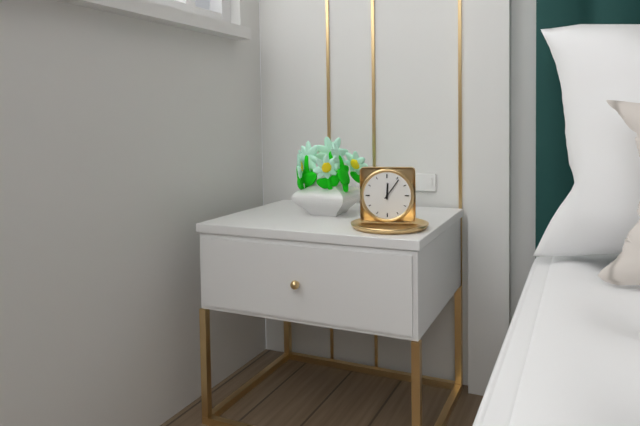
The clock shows 12.06
